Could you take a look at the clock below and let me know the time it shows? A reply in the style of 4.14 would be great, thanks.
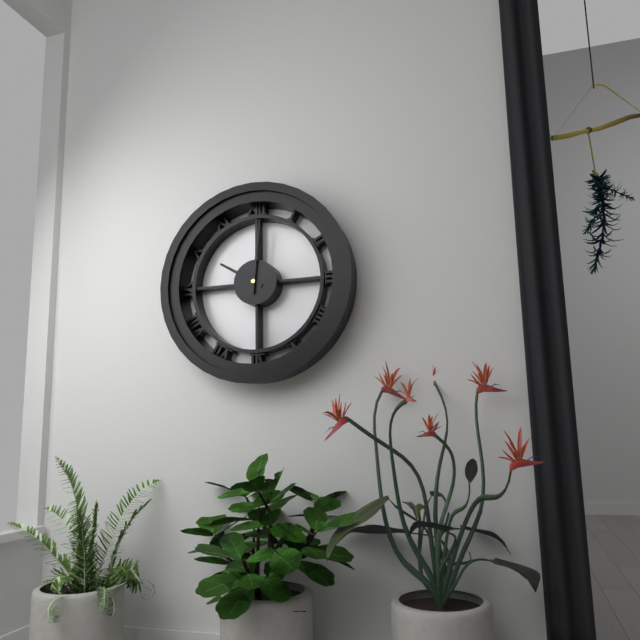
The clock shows 10.01
